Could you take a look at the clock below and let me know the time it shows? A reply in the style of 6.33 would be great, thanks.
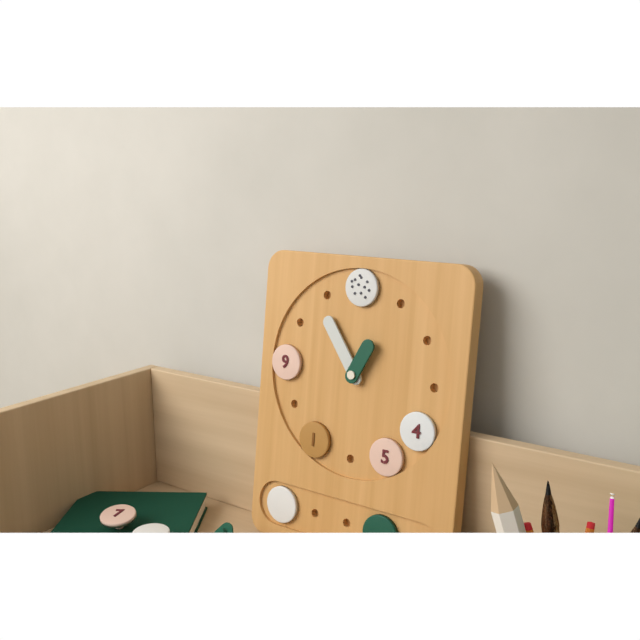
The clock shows 12.54
